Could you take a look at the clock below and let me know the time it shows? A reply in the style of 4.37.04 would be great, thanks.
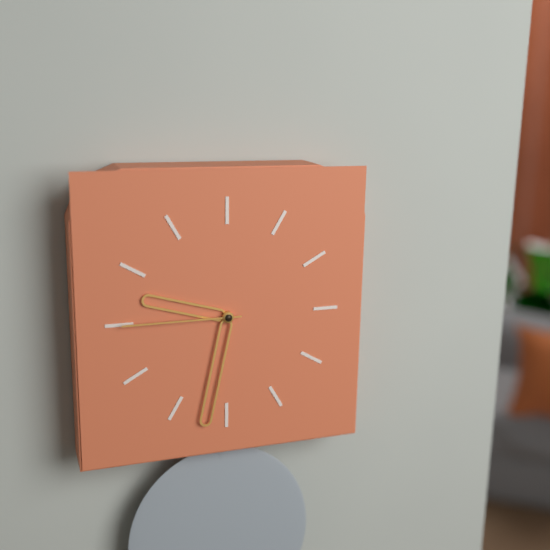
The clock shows 9.32.45
